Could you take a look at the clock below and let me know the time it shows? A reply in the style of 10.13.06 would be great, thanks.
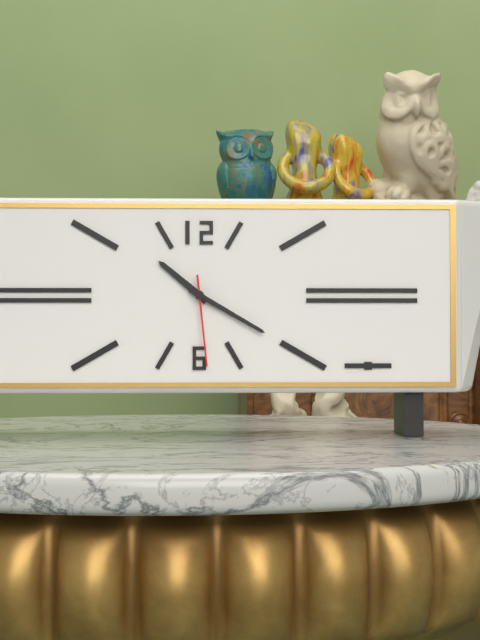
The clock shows 10.20.29
